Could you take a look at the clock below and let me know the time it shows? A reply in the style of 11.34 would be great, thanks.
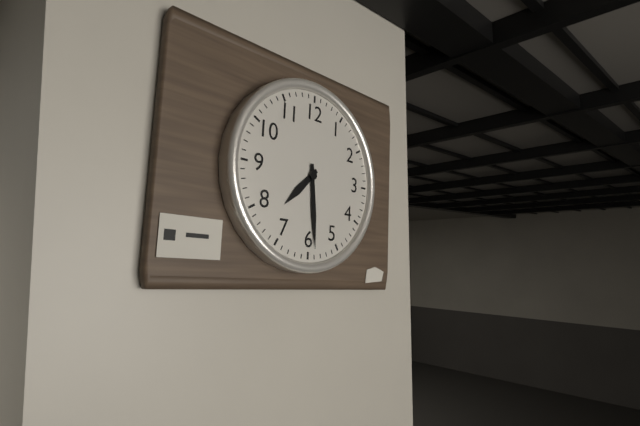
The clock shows 7.29
